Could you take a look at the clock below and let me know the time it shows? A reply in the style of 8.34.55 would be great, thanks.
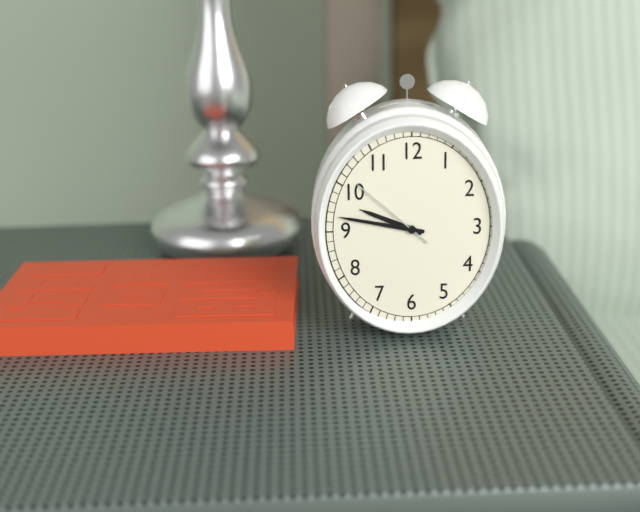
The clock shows 9.47.52
